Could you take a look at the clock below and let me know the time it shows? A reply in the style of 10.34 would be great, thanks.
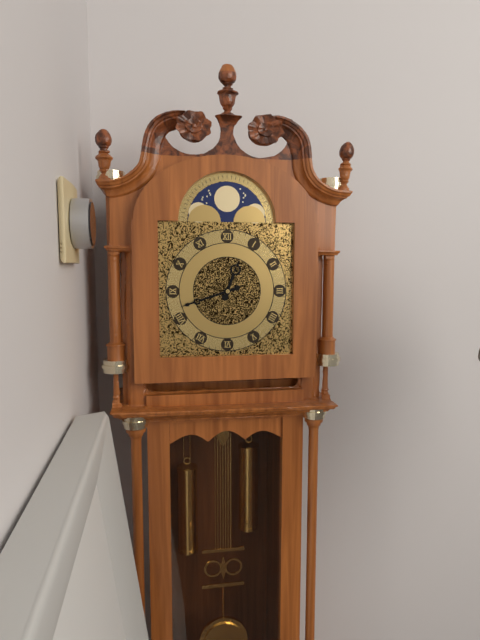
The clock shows 12.42
